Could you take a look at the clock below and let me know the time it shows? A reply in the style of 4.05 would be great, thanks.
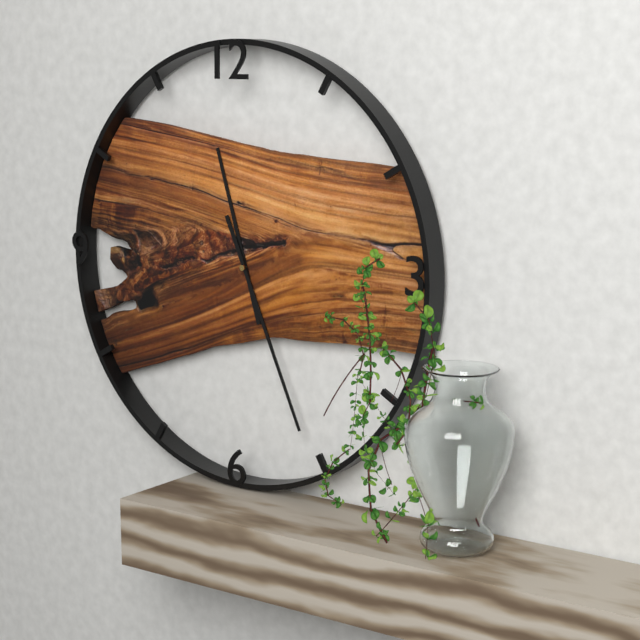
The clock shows 11.26
